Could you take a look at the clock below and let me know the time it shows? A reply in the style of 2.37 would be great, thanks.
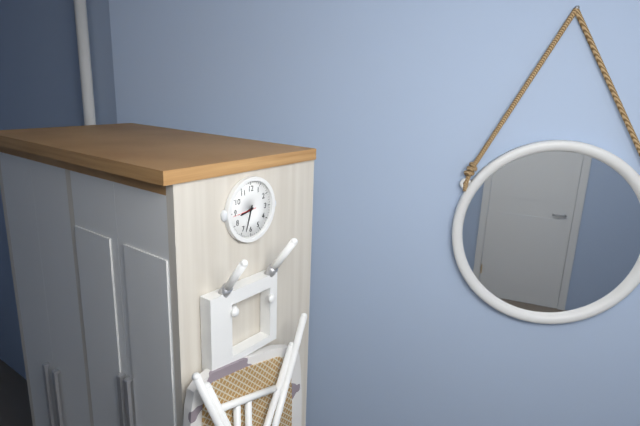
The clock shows 8.33
